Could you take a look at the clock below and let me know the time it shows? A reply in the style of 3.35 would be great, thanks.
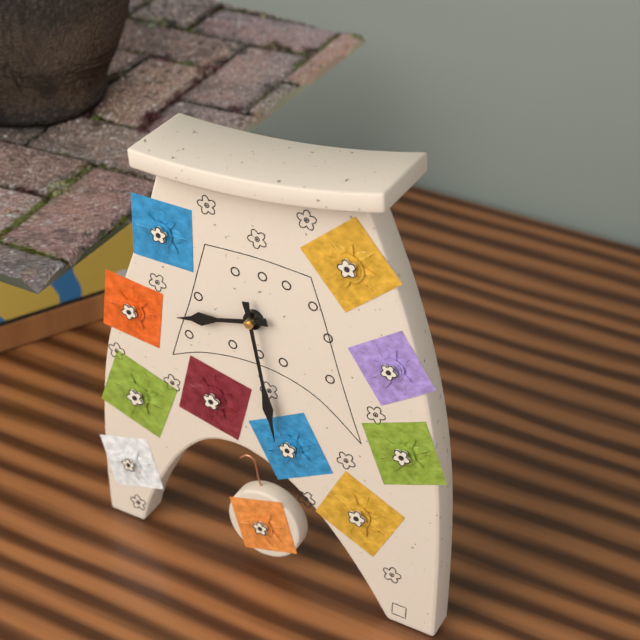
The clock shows 8.28
